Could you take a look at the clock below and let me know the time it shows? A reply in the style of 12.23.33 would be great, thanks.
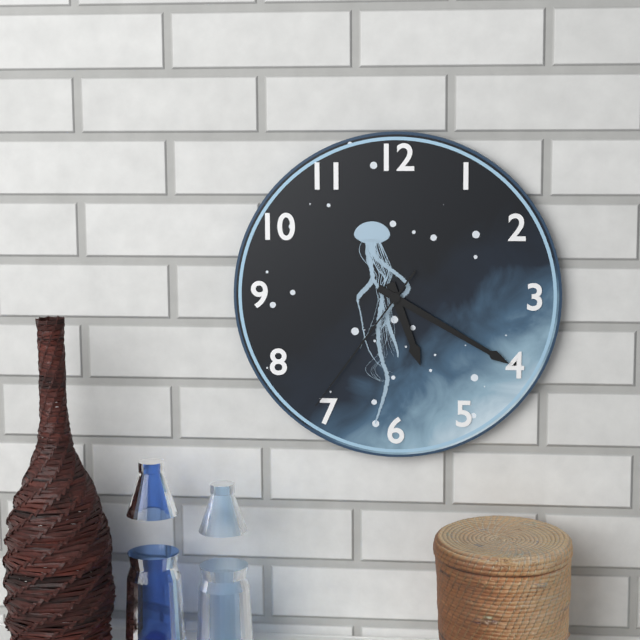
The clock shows 5.20.36
